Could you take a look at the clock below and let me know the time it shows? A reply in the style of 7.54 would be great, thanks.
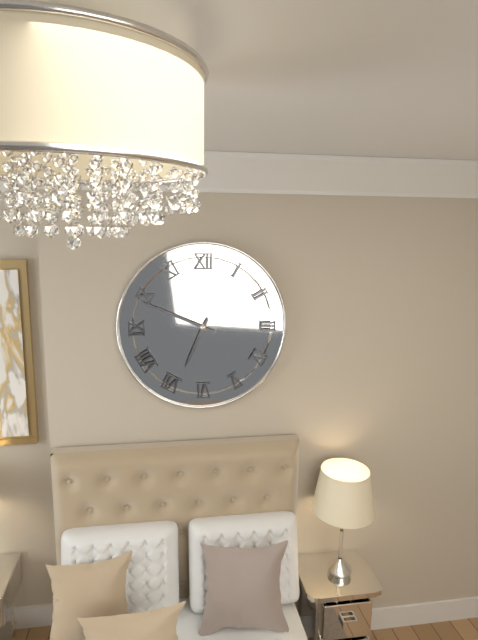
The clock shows 6.49
